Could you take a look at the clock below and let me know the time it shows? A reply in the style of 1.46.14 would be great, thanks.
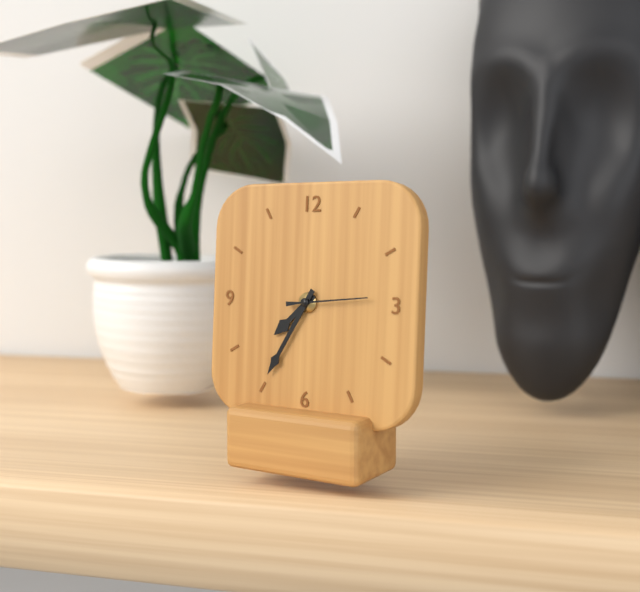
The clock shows 7.35.14
